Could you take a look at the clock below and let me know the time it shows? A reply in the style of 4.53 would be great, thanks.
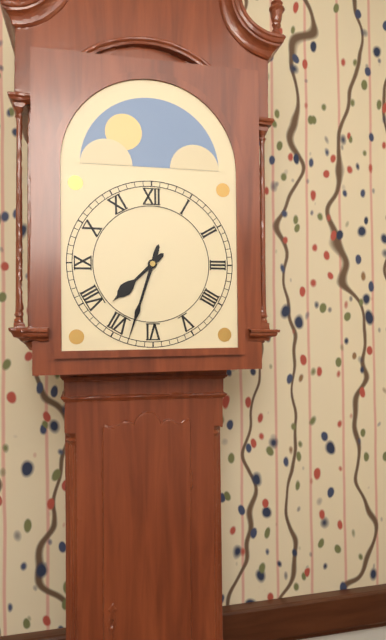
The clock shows 7.33
